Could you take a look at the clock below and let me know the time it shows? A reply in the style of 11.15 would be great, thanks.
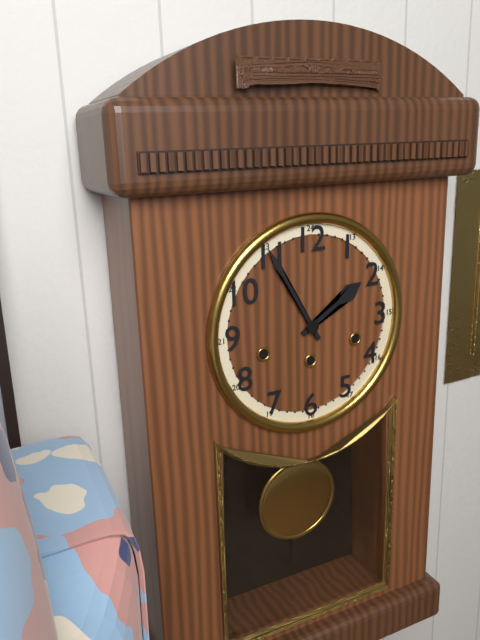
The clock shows 1.55
